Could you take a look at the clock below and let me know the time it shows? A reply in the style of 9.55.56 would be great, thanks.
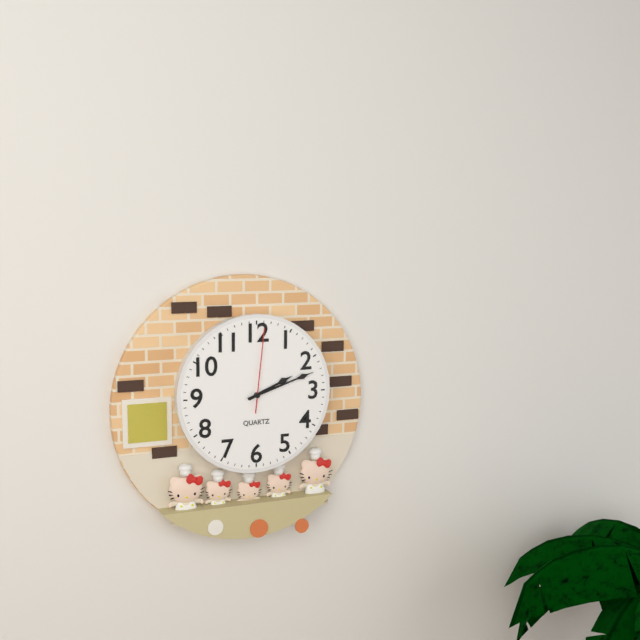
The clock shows 2.12.01
